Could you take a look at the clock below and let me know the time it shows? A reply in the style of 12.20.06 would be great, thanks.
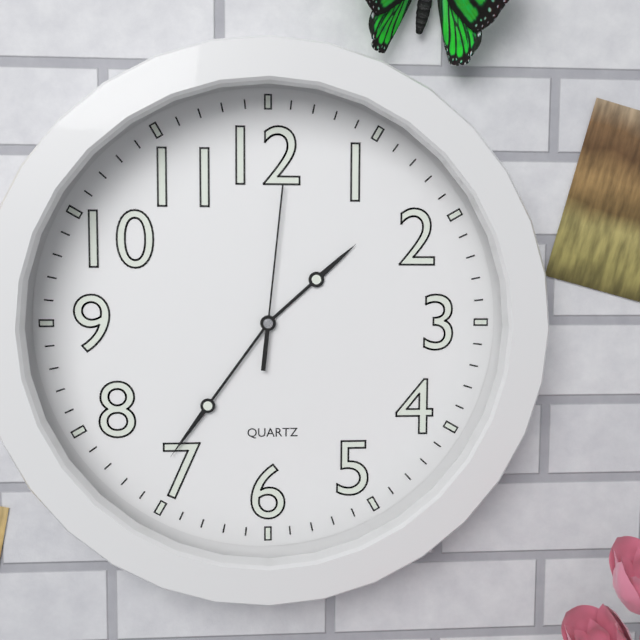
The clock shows 1.36.01
